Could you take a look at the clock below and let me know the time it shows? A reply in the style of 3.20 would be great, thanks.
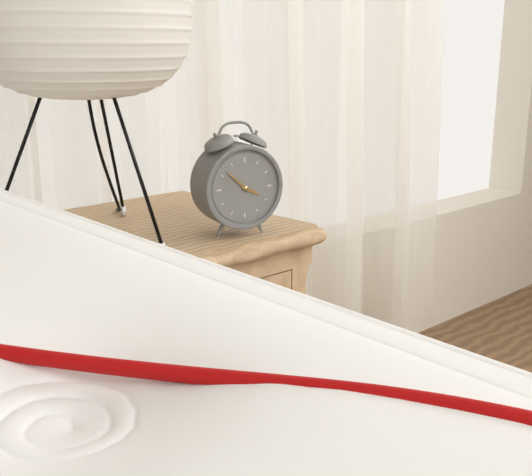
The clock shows 3.52
